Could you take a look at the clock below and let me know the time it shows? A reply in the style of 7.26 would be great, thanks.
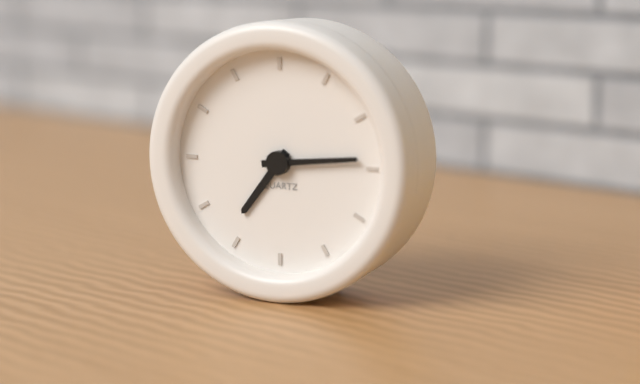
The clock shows 7.14
